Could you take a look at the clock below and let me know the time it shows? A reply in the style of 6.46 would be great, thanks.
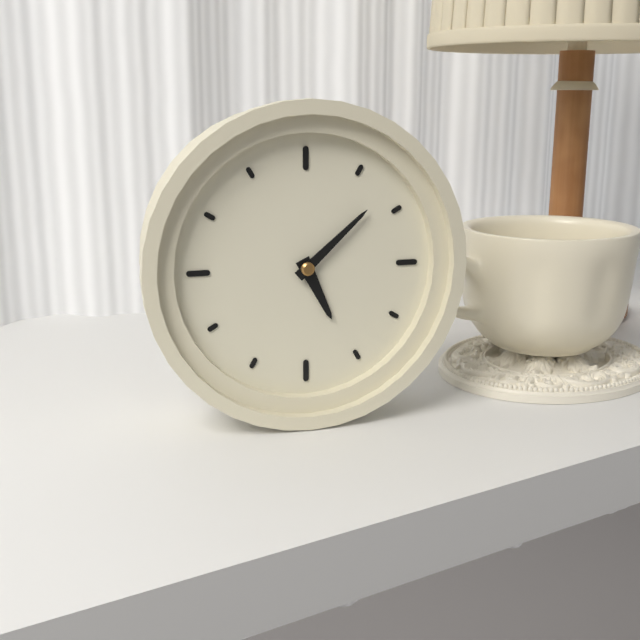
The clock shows 5.08
